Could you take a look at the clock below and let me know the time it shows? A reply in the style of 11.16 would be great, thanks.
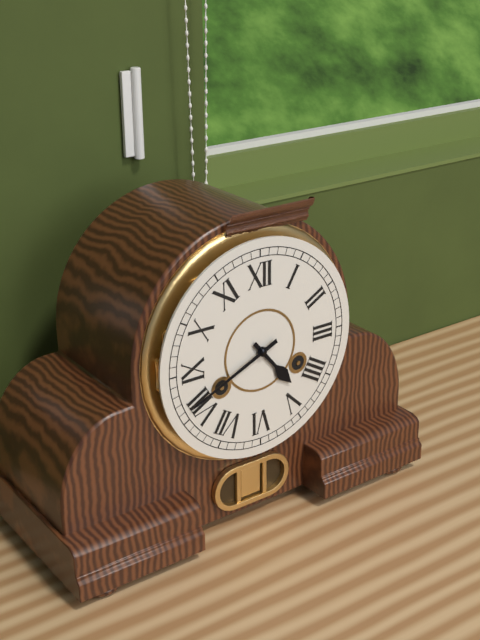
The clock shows 4.41
